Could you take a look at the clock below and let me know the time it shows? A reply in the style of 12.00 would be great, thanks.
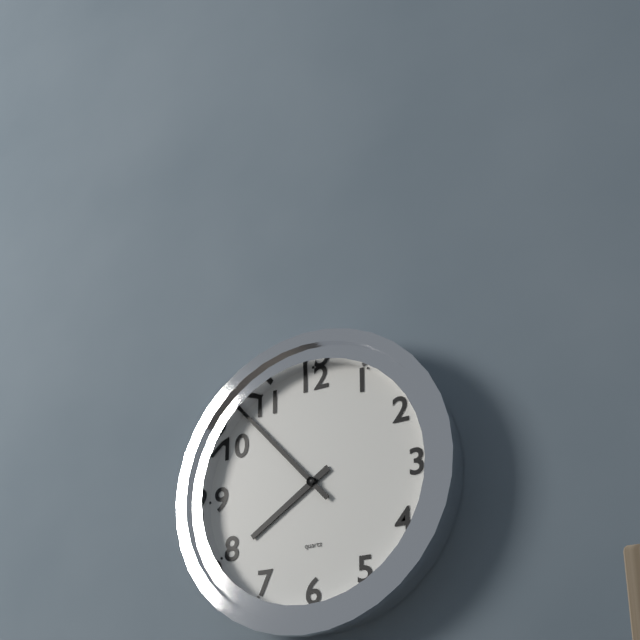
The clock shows 7.53
